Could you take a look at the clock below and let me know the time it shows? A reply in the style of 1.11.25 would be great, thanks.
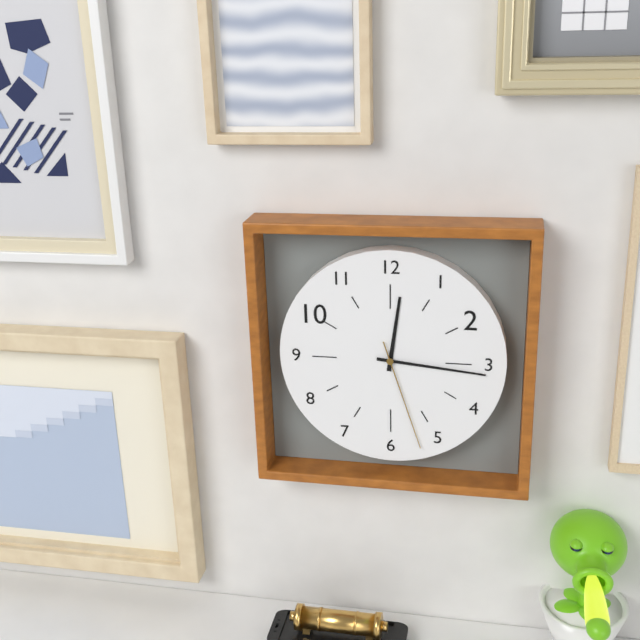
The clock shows 12.16.27
